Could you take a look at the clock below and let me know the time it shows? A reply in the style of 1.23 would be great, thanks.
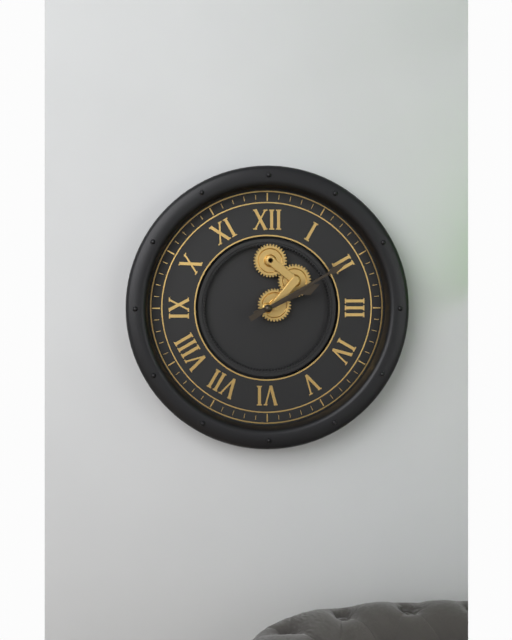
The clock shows 2.10
